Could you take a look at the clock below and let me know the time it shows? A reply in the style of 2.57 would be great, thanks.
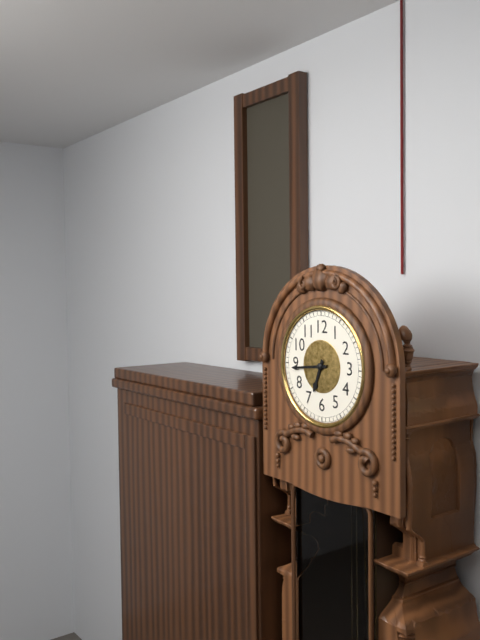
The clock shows 6.44
